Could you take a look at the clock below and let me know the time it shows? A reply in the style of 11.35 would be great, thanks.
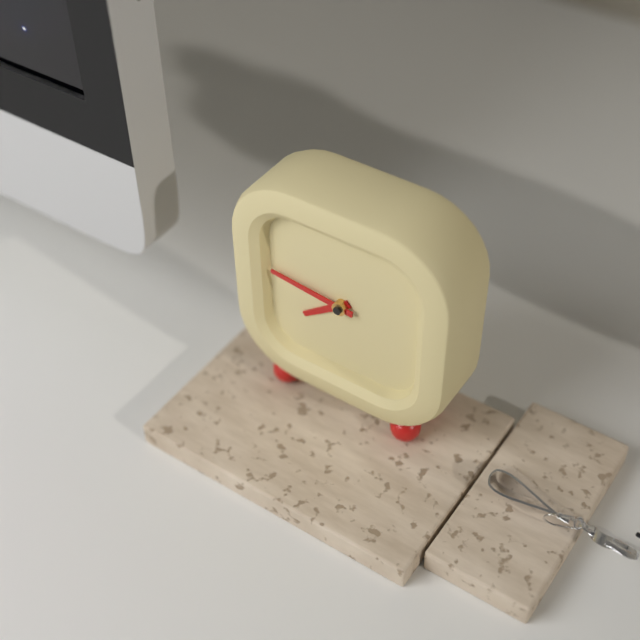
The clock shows 7.46
